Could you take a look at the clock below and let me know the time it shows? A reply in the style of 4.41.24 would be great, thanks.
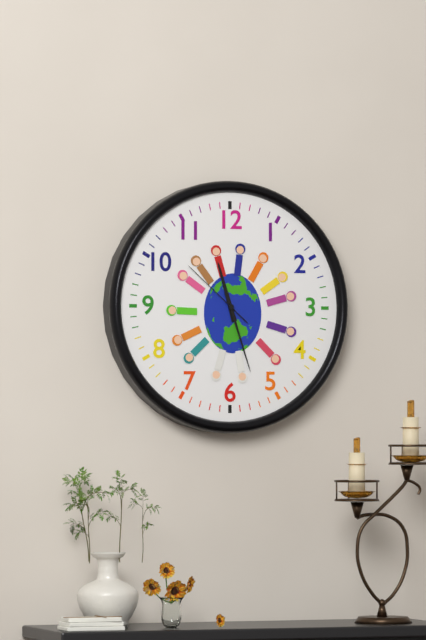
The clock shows 11.27.52
